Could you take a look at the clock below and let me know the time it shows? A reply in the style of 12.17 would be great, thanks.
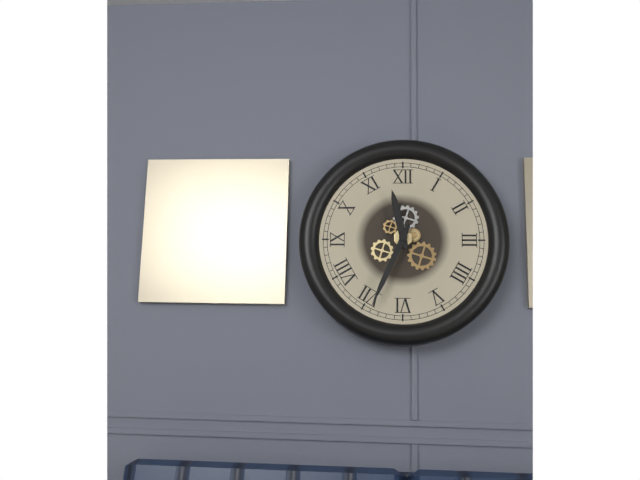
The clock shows 11.34
